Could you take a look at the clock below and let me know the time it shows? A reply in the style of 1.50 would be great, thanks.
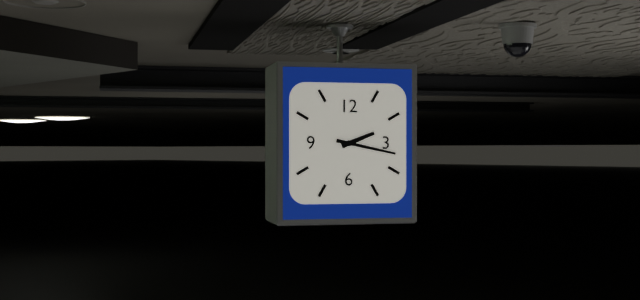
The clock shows 2.17
